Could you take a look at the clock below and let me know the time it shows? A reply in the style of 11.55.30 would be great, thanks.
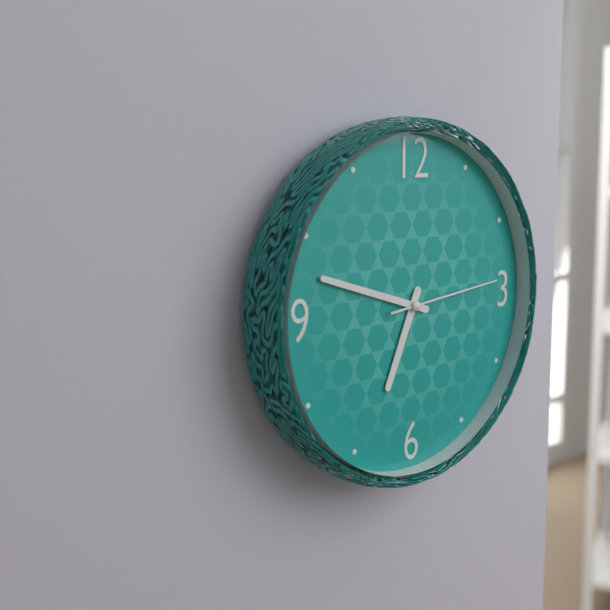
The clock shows 6.48.14
